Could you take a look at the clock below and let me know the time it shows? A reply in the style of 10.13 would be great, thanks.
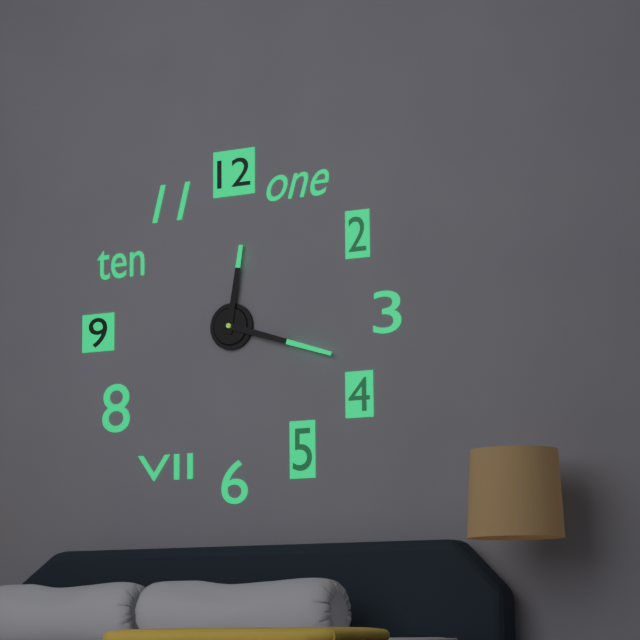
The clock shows 12.18
